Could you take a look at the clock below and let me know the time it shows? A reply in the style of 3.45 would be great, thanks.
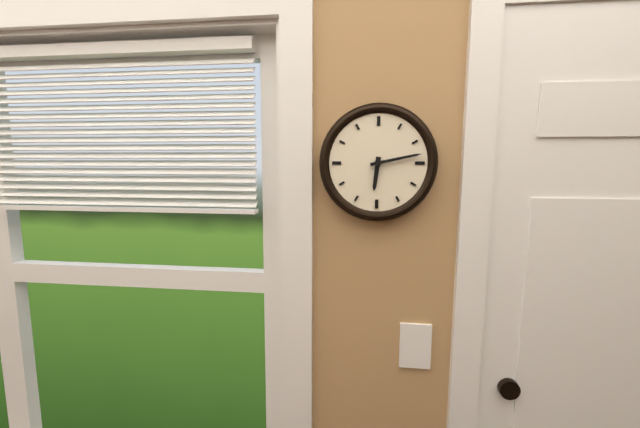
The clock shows 6.13
